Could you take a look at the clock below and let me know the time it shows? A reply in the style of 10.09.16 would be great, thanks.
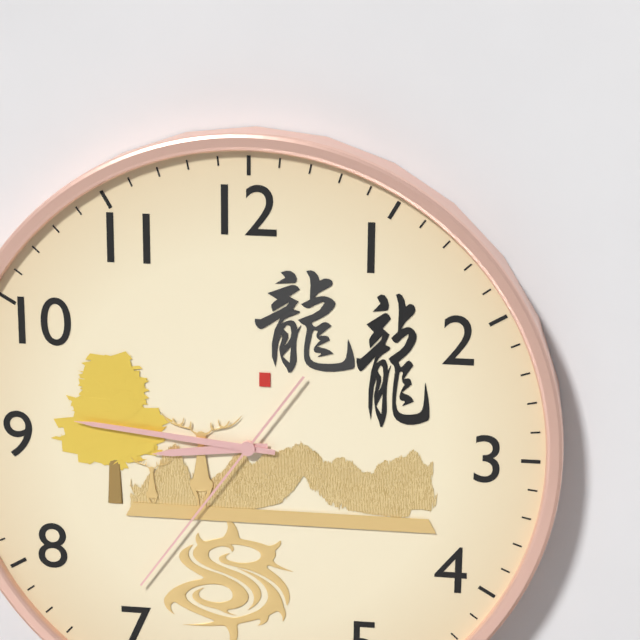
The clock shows 8.46.36
